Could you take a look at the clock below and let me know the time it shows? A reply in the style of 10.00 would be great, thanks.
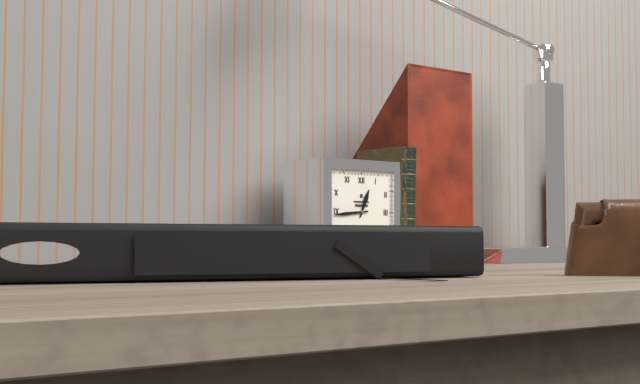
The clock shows 12.44
